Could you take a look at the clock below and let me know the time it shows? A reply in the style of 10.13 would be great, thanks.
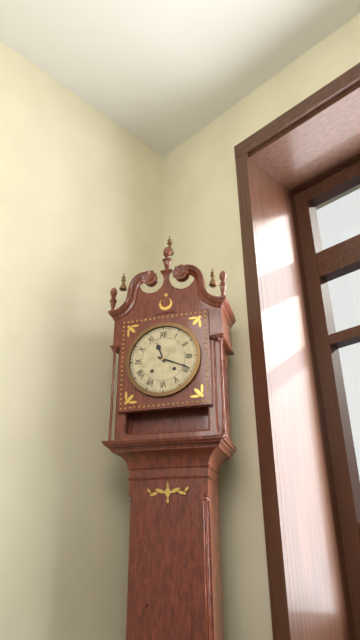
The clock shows 11.19
